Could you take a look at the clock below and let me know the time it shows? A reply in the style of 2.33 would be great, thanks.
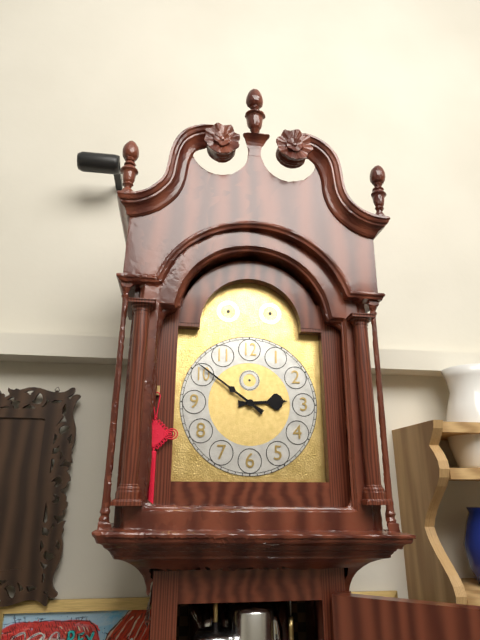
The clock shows 2.51
